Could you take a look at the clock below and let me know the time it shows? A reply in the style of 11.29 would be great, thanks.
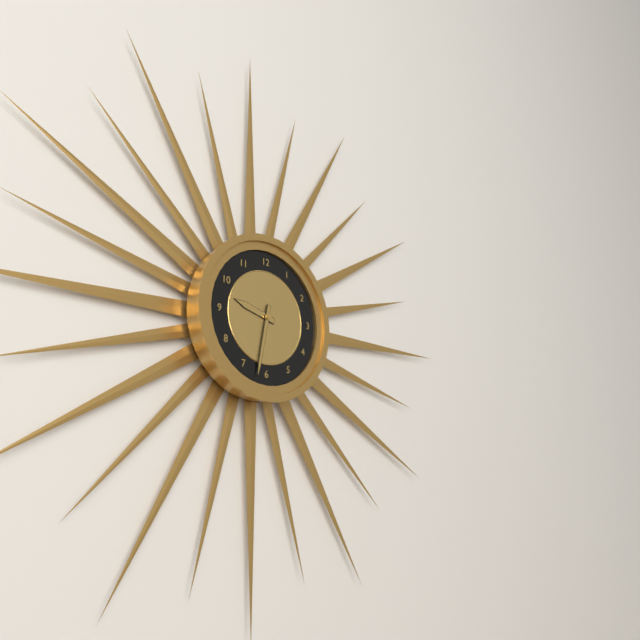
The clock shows 9.32
